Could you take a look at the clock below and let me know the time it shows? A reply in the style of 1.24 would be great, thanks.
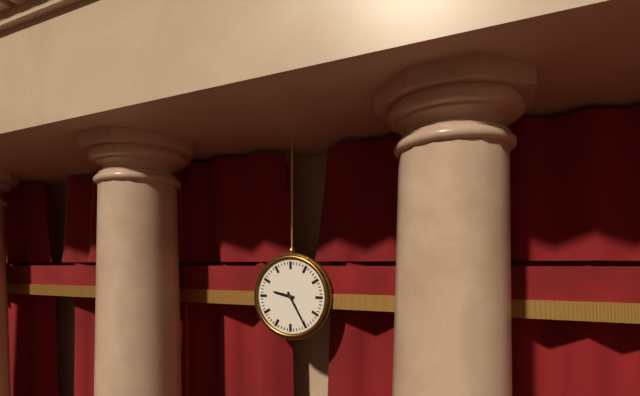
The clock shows 9.25
